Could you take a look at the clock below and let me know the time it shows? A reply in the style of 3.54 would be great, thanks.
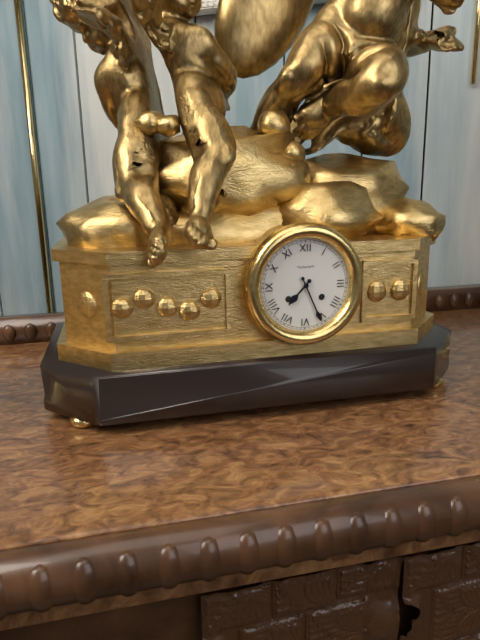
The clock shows 7.26
